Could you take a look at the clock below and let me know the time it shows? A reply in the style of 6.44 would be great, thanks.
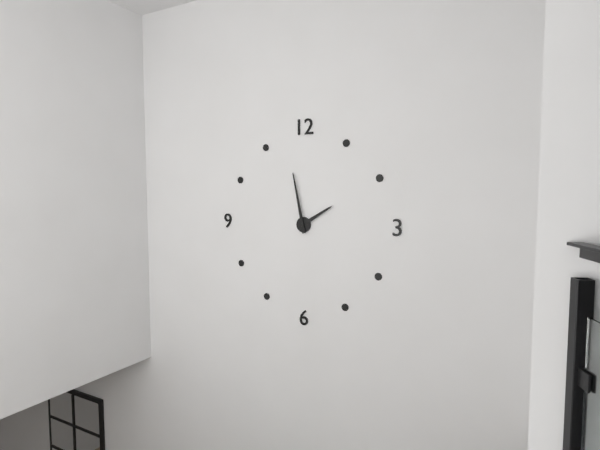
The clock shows 1.58
